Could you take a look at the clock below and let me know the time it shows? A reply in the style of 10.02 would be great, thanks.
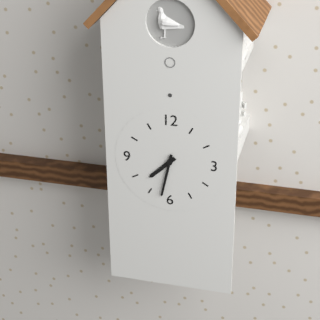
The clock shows 7.32
